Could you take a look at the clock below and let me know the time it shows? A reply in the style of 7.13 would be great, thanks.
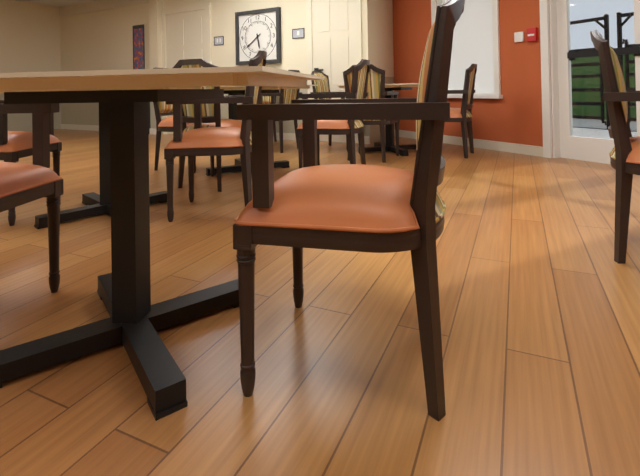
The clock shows 5.39
